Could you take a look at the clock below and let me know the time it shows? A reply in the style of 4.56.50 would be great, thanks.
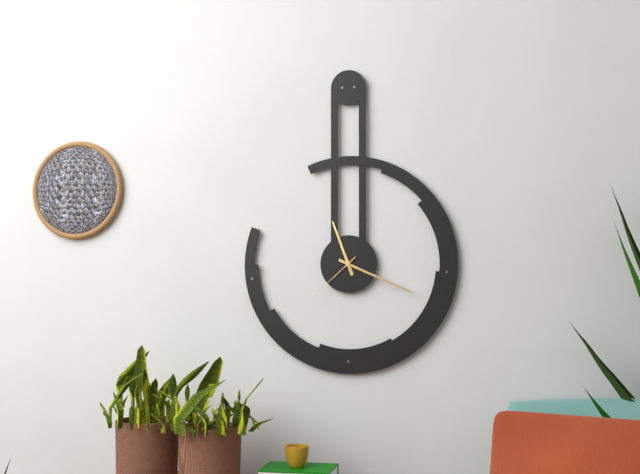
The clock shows 11.19.38
